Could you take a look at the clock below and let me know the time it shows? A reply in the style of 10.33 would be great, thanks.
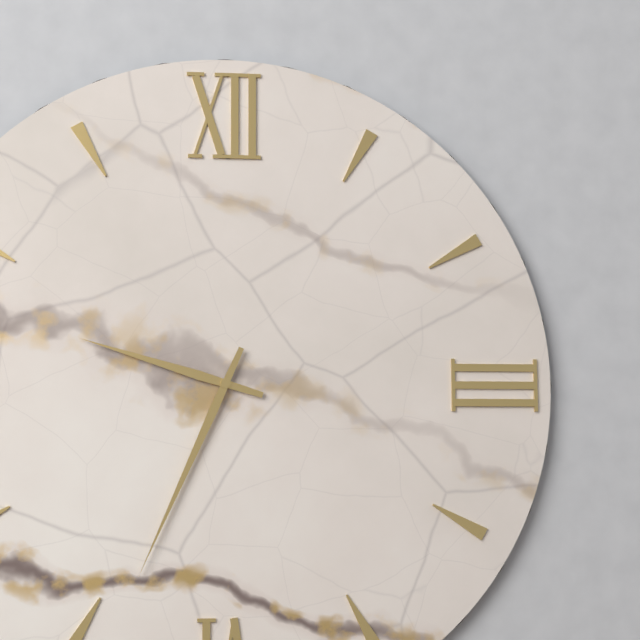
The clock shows 9.34
